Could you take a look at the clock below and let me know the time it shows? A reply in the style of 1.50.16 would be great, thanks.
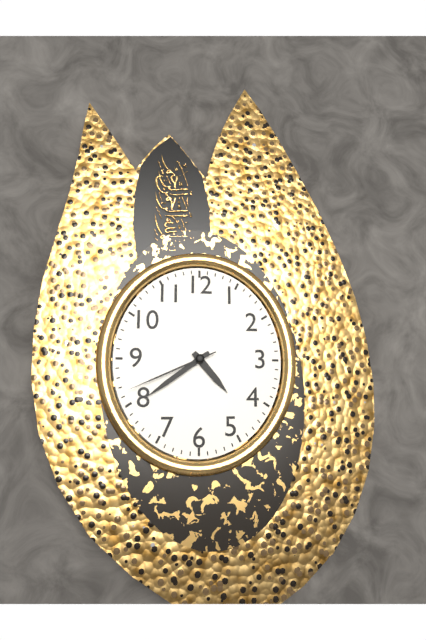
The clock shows 4.39.41
